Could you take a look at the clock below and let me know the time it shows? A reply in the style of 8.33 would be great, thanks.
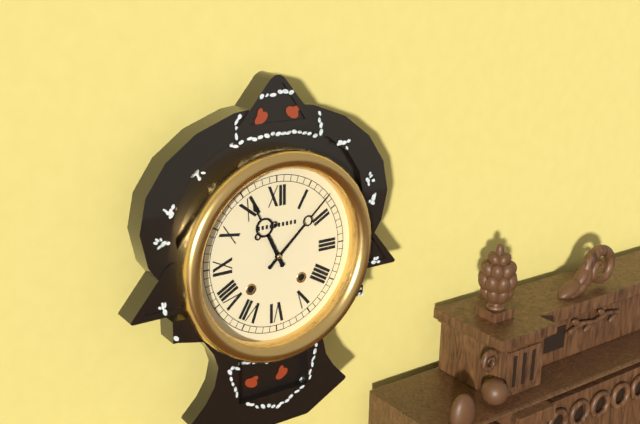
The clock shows 11.08
